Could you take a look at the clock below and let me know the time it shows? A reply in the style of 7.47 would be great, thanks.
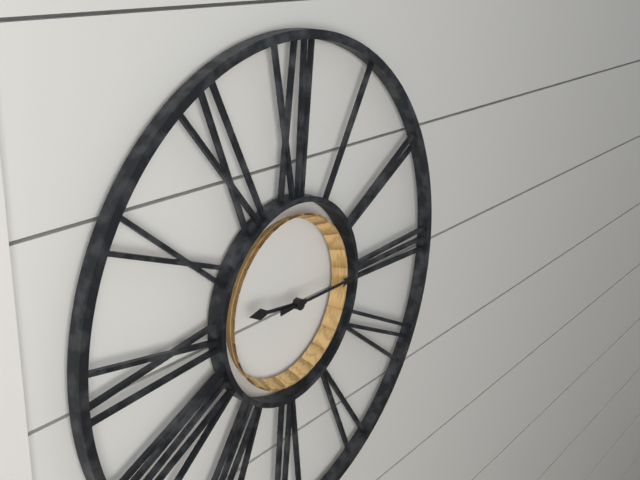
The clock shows 9.15
